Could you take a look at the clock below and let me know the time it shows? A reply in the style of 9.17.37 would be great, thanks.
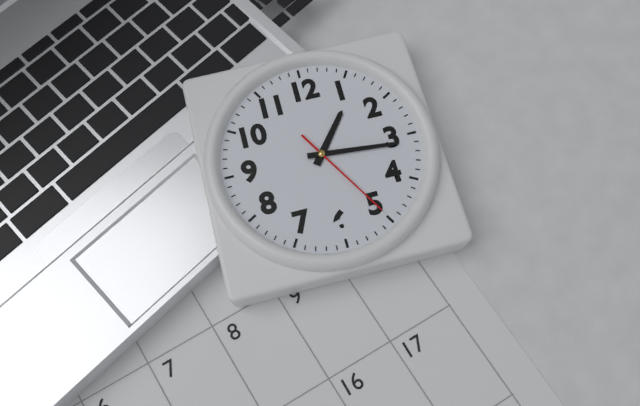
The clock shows 1.16.25
